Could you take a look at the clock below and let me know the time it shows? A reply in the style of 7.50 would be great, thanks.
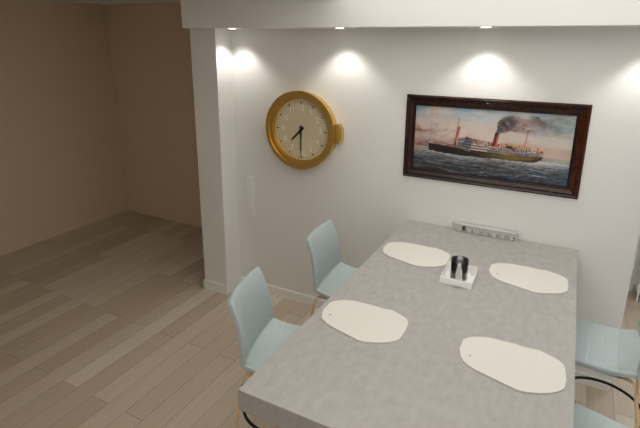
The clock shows 7.30
